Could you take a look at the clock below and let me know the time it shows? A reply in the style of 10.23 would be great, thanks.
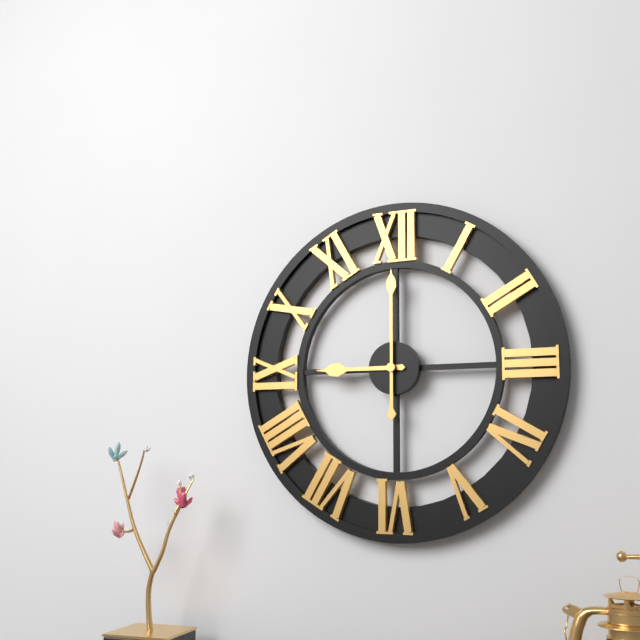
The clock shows 9.00
